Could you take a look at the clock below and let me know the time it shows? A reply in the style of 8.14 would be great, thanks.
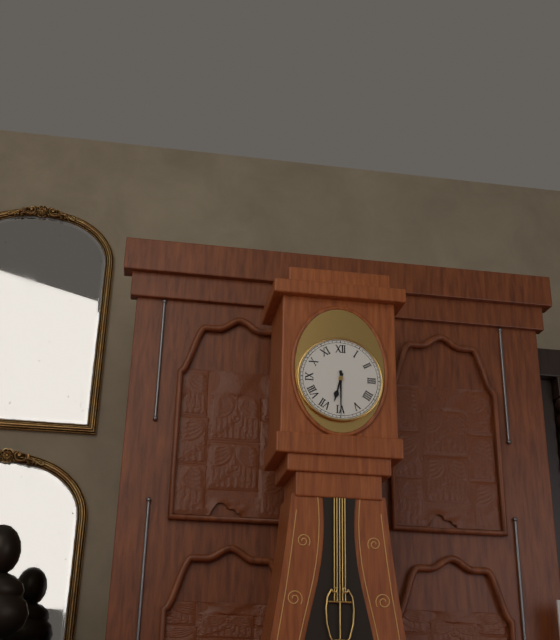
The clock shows 6.30
